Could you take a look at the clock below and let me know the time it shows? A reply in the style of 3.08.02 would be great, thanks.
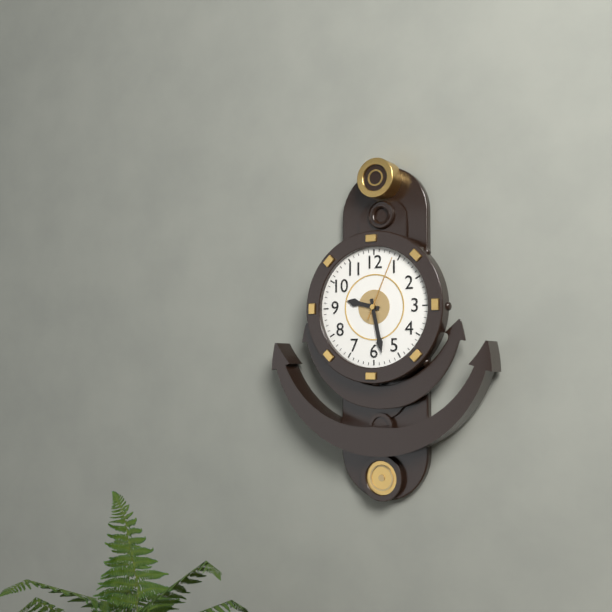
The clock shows 9.28.04
